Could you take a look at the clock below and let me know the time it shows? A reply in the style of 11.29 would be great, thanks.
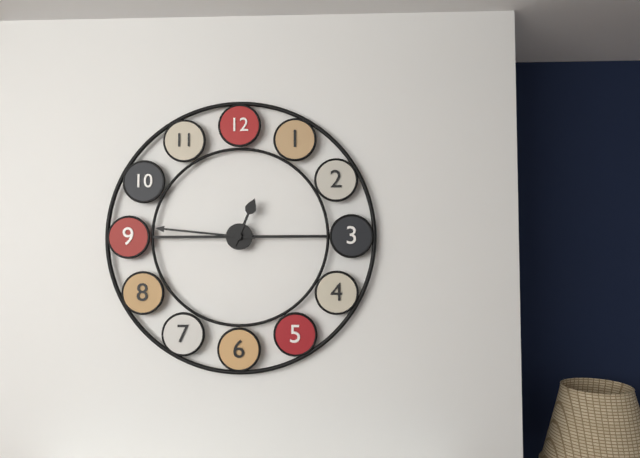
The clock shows 12.46
